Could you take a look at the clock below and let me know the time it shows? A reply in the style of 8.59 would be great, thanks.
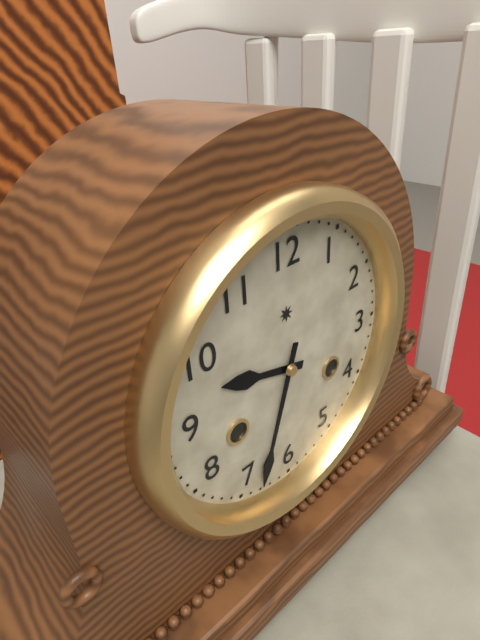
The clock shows 9.33
